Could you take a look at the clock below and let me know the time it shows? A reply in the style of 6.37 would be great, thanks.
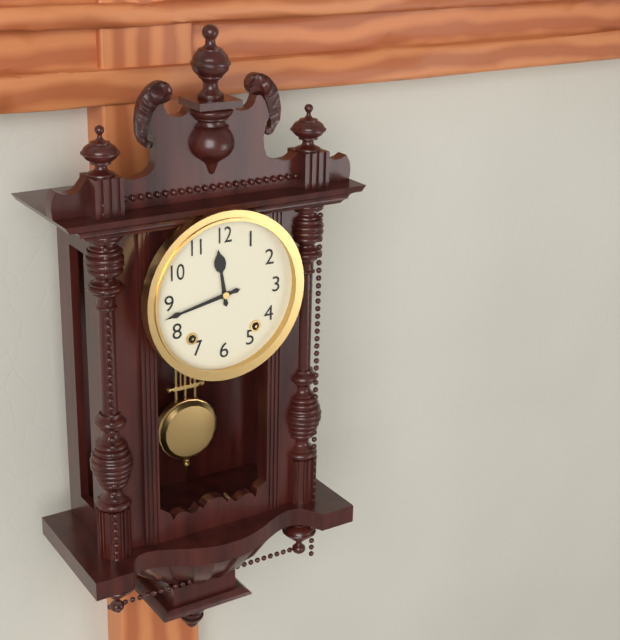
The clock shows 11.43
